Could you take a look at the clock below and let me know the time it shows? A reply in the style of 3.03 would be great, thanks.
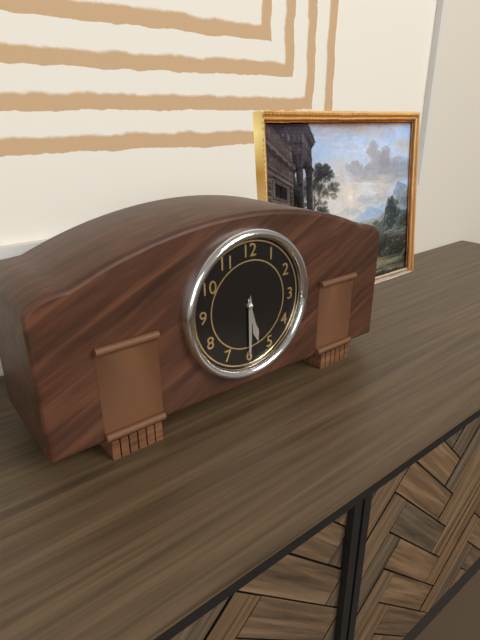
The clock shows 5.30
